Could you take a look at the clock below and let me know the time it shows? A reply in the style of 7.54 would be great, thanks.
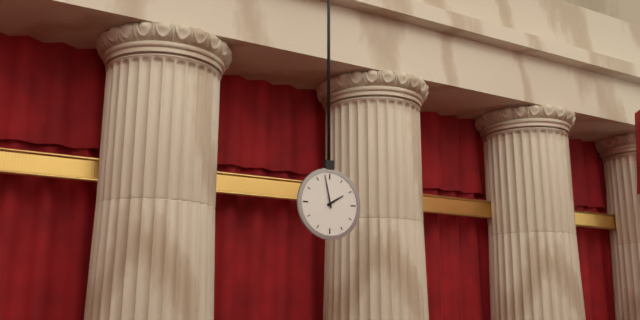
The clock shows 1.58
